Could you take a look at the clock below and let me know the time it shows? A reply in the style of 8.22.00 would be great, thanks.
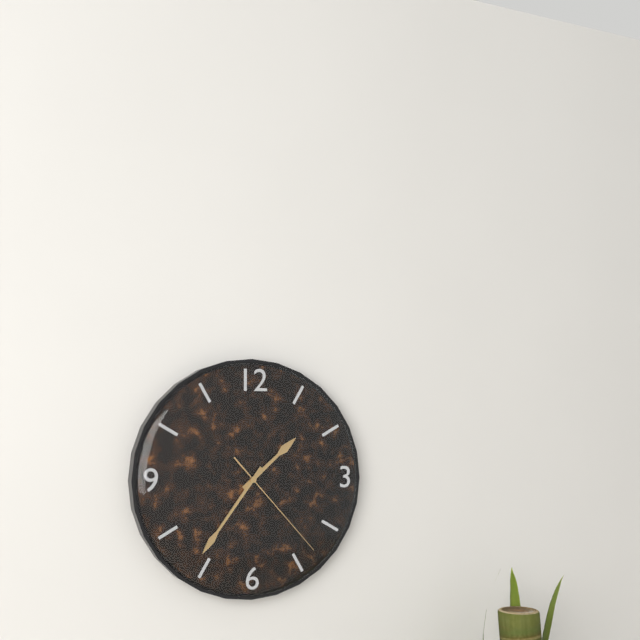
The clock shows 1.36.23
